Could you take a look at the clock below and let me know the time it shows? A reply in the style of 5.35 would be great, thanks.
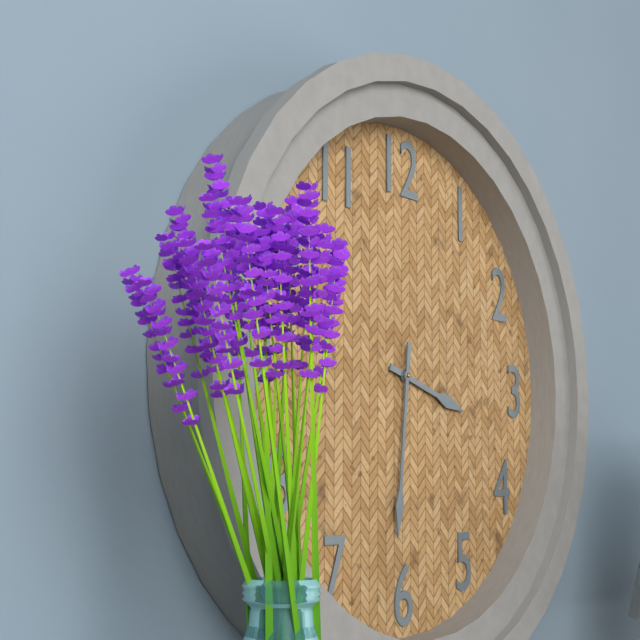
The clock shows 3.31
